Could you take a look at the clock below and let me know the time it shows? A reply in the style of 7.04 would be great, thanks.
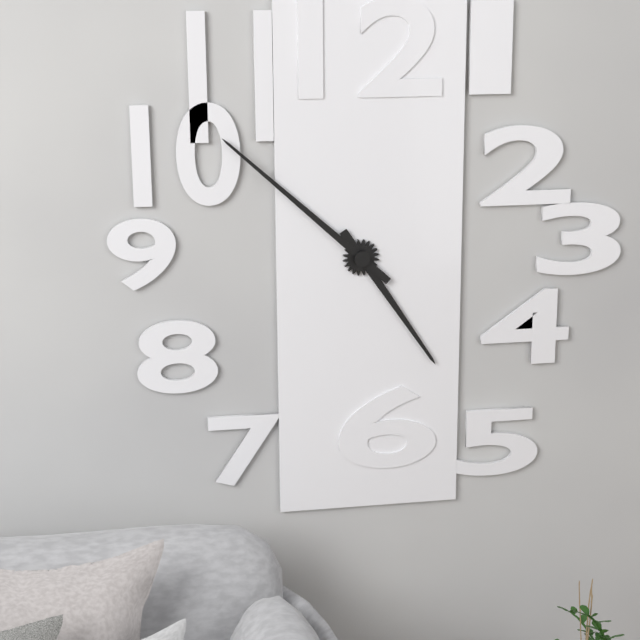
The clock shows 4.52
